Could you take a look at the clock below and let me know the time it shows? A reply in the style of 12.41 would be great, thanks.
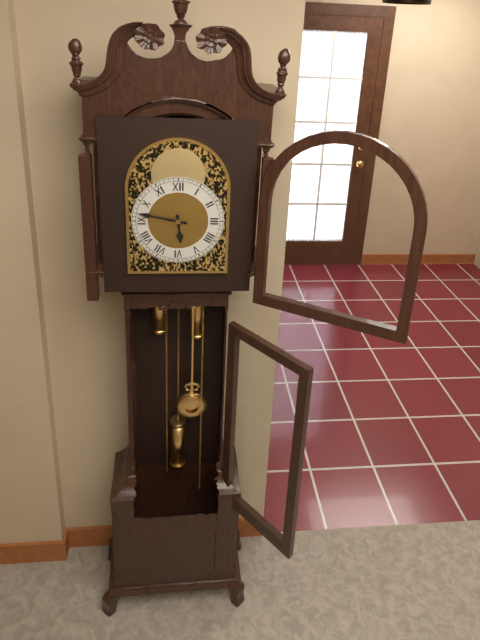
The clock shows 5.47
